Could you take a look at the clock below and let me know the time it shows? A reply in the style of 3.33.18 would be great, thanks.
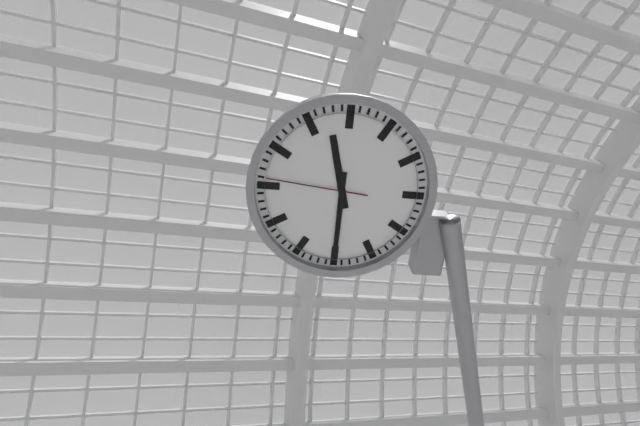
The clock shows 11.30.46
